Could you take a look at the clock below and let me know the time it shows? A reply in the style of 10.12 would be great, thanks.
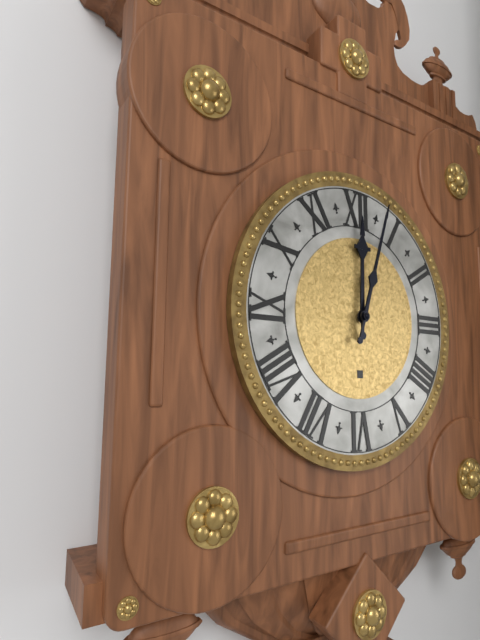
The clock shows 12.03
